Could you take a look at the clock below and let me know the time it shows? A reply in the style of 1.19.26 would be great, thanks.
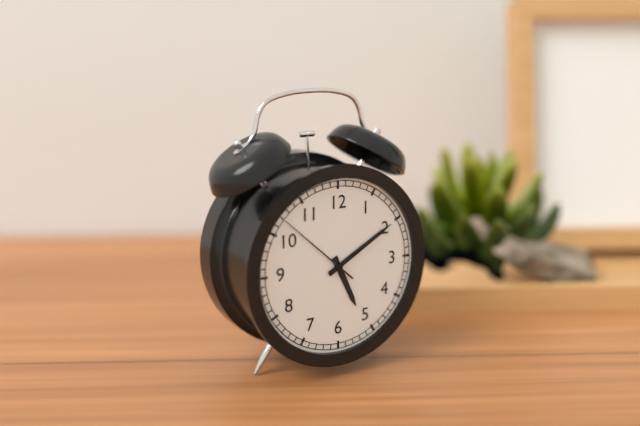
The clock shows 5.10.52
